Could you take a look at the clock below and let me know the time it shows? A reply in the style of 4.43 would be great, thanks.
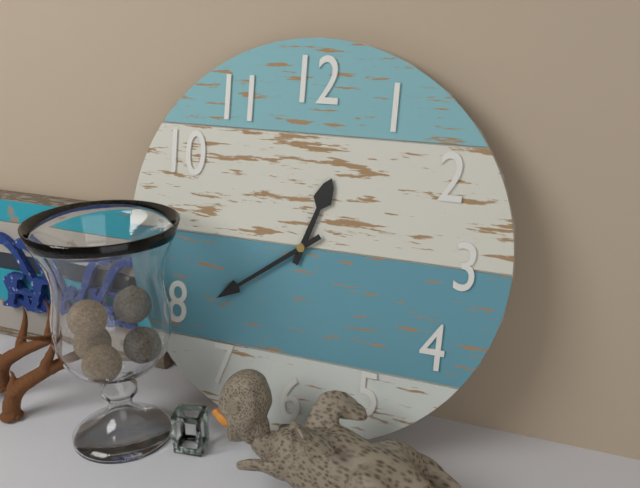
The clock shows 12.39
